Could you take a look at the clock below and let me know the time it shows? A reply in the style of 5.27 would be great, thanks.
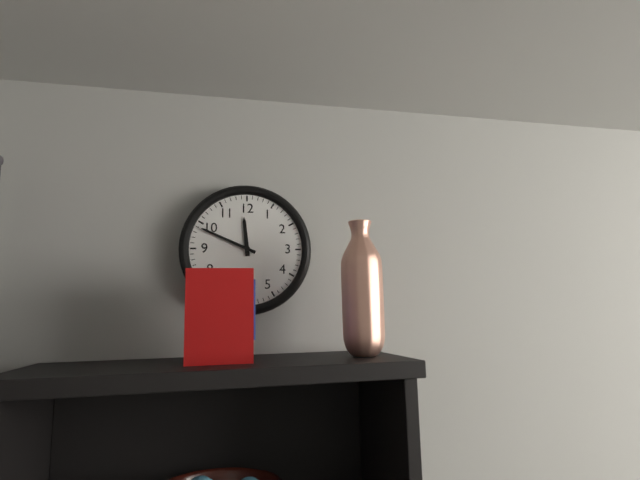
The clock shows 11.49
